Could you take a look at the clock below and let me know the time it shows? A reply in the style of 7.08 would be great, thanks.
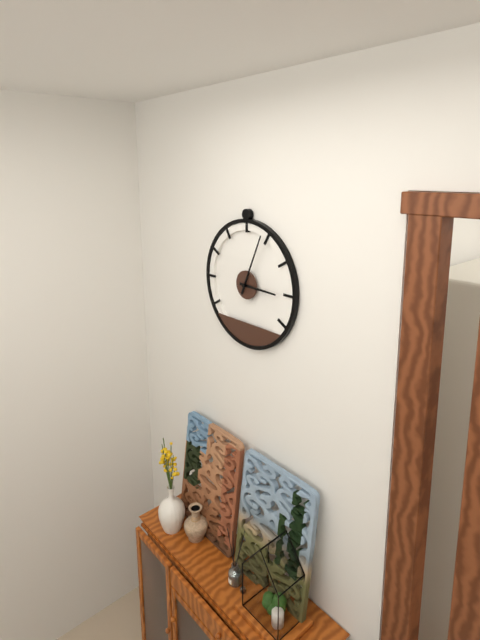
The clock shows 3.04
